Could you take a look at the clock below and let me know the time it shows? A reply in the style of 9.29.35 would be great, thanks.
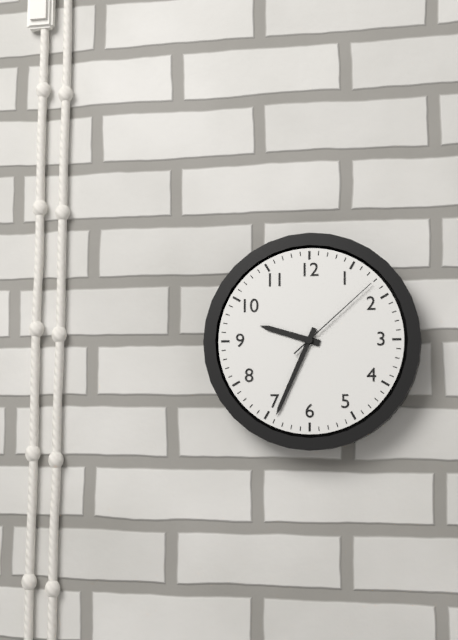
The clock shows 9.34.08
